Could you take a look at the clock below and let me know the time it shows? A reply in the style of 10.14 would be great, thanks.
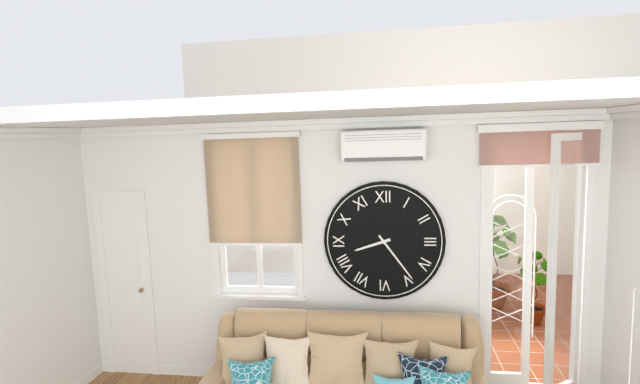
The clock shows 8.24
